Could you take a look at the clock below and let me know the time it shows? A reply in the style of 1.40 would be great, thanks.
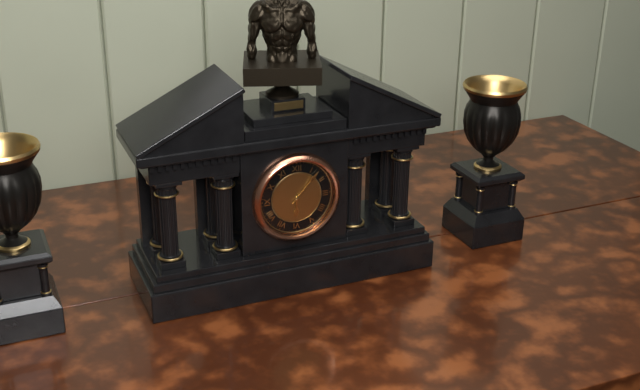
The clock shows 6.07
